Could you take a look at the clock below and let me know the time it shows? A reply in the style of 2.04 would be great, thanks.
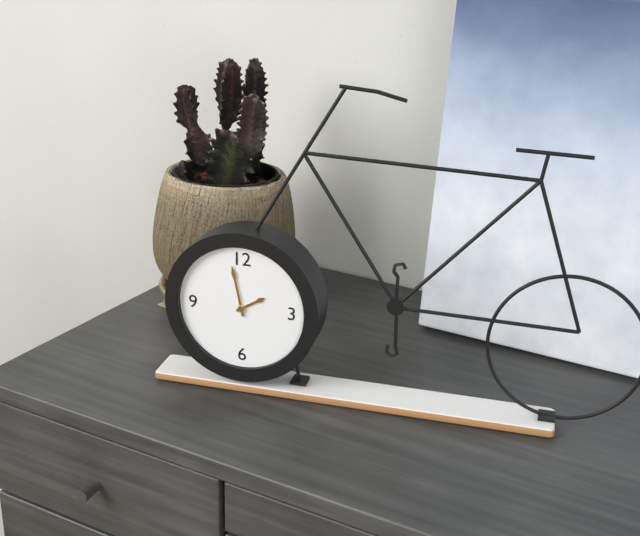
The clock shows 1.58
